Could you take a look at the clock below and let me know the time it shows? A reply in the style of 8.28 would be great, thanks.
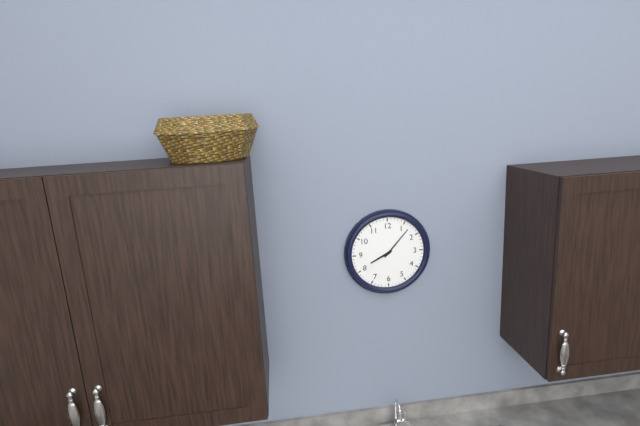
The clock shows 8.07
